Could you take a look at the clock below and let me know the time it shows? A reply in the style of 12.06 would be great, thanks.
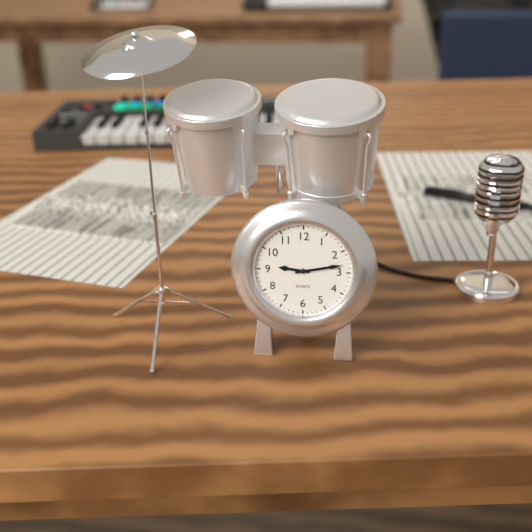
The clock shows 9.13
